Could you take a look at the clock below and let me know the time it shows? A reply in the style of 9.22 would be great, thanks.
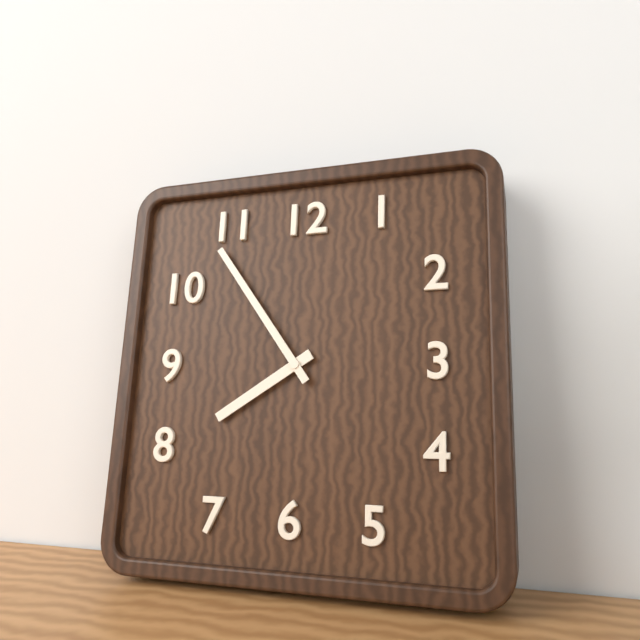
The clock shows 7.54
